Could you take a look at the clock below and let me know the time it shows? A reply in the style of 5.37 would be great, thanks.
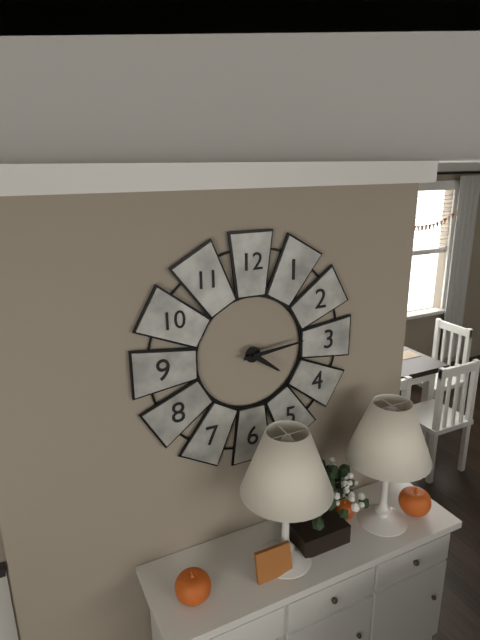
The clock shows 4.14
